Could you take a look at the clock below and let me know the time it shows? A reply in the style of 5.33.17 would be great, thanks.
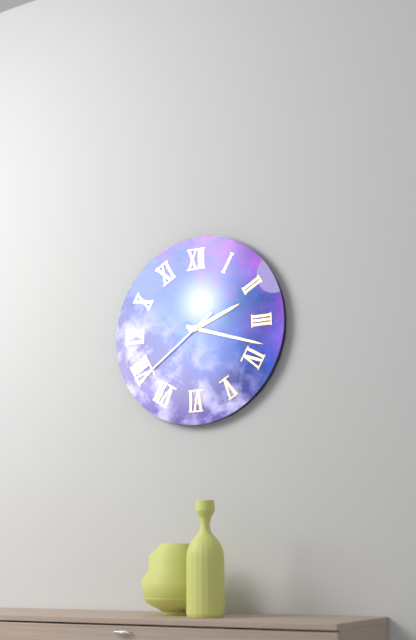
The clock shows 2.18.39
